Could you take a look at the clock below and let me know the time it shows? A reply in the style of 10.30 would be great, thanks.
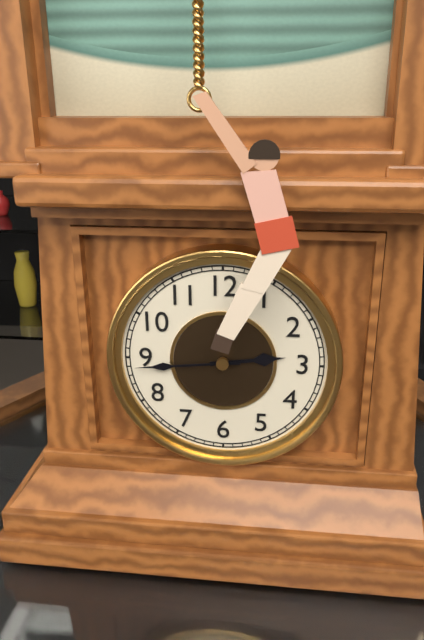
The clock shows 2.44
